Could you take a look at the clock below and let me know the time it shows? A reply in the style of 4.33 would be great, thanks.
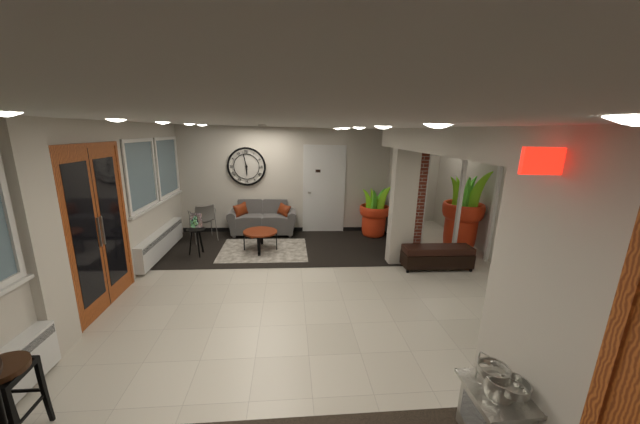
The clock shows 5.58
